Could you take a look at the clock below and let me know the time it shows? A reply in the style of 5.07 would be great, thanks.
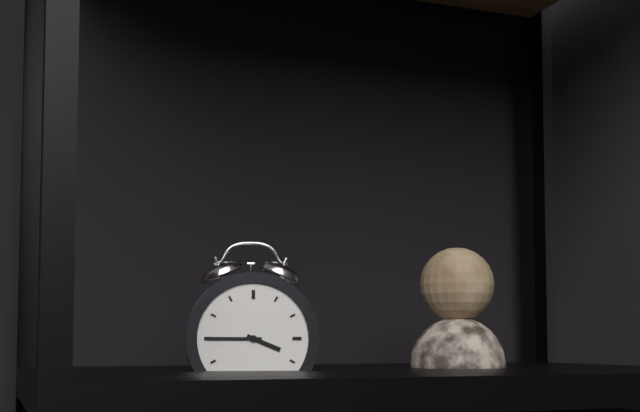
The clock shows 3.45
